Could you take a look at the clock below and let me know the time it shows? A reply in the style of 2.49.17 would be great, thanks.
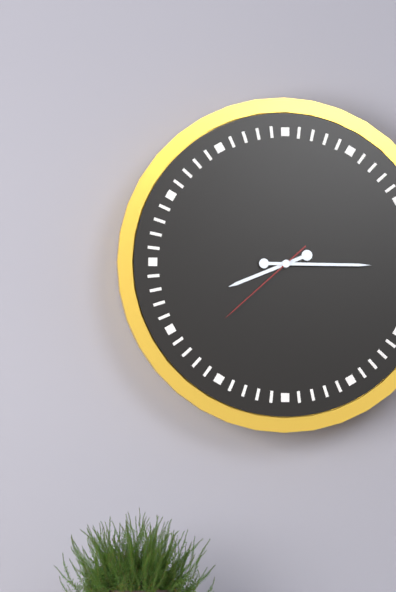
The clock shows 8.15.38
